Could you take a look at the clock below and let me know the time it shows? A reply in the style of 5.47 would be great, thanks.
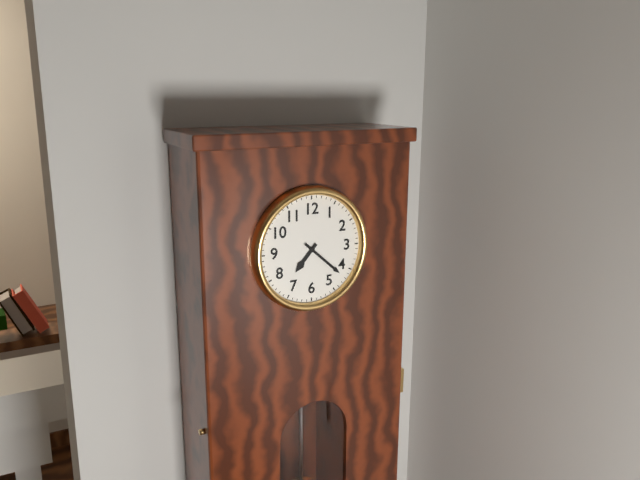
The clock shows 7.22
